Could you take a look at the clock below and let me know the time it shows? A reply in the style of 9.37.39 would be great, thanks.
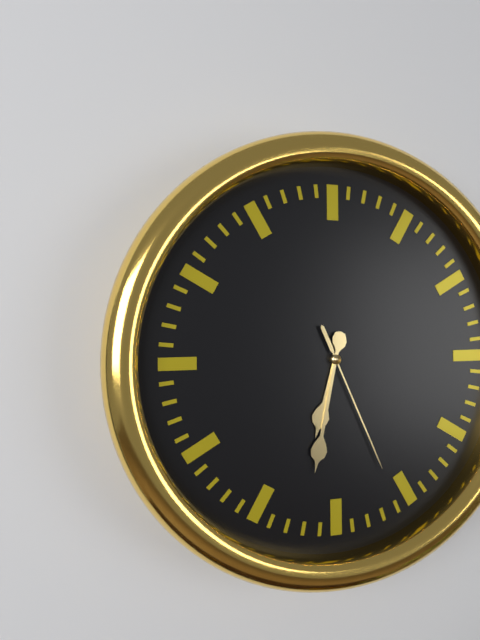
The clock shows 6.32.26
